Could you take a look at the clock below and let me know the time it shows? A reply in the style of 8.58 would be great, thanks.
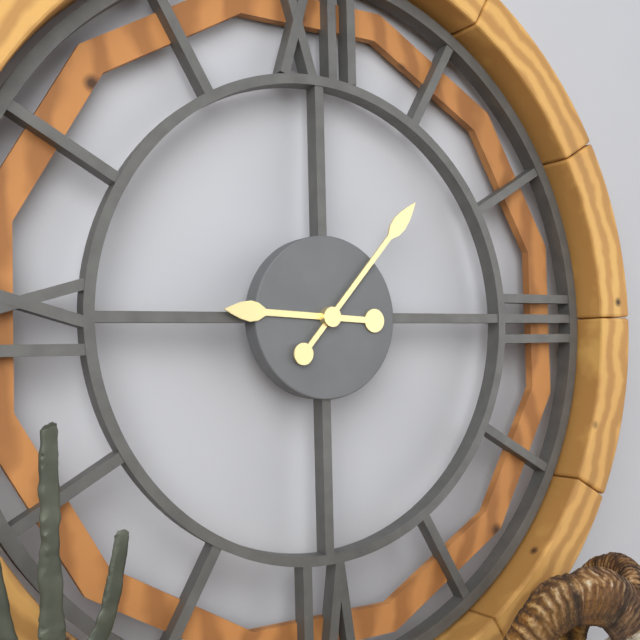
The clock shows 9.07
